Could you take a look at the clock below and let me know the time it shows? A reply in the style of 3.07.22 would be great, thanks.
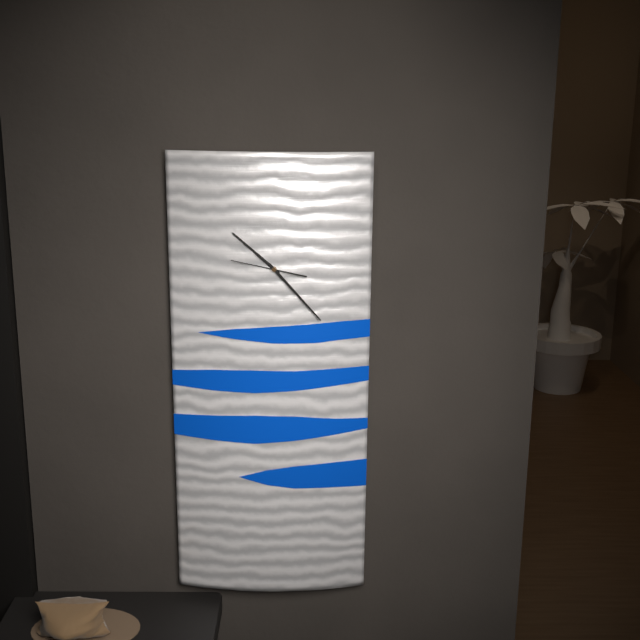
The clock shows 10.23.47
